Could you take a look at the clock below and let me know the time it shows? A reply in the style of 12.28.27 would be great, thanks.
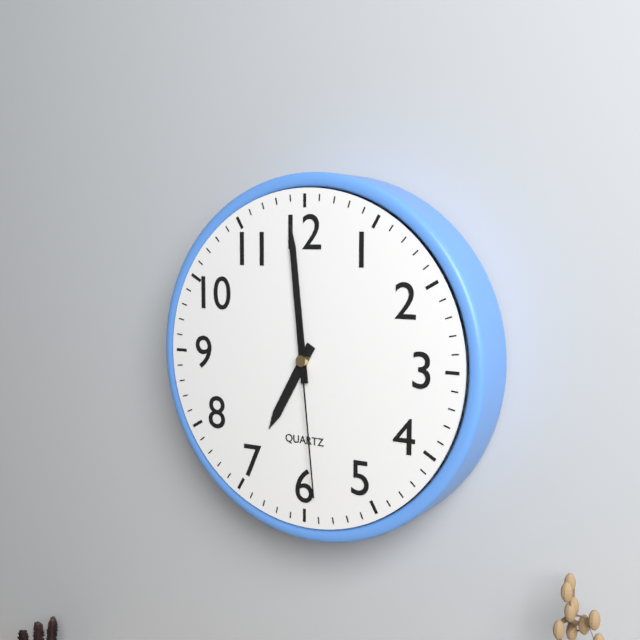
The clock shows 6.59.29
